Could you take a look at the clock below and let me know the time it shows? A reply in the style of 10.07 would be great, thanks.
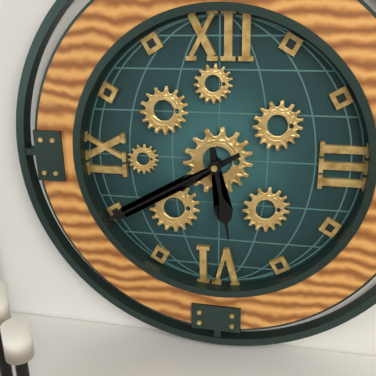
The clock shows 5.40
